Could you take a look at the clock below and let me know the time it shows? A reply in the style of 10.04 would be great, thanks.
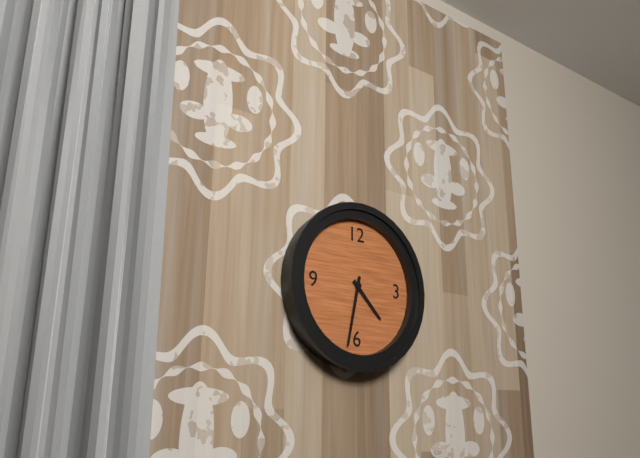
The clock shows 4.32
